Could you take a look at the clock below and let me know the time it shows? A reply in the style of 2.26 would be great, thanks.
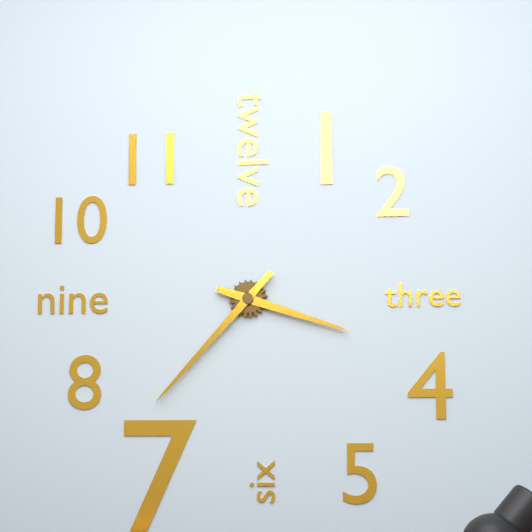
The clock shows 3.37
